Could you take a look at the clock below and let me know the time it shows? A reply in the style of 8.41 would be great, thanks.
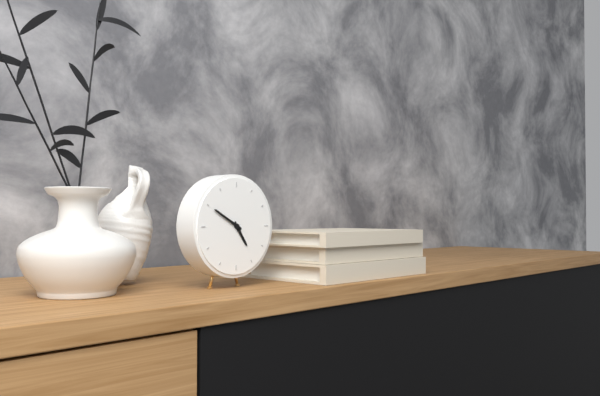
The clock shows 4.50
